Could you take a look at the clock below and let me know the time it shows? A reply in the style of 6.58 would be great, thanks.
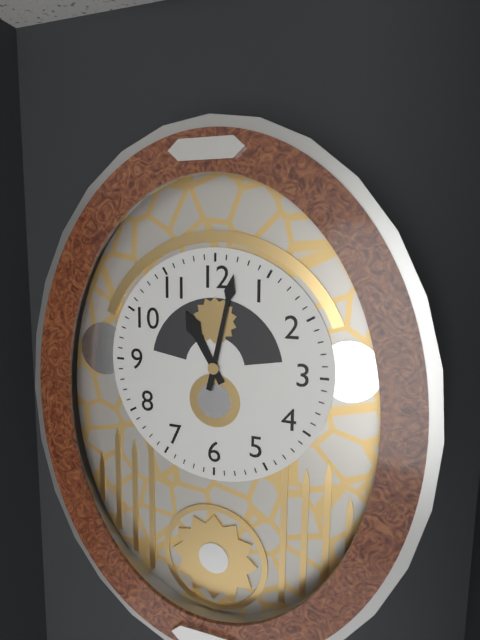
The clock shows 11.02
